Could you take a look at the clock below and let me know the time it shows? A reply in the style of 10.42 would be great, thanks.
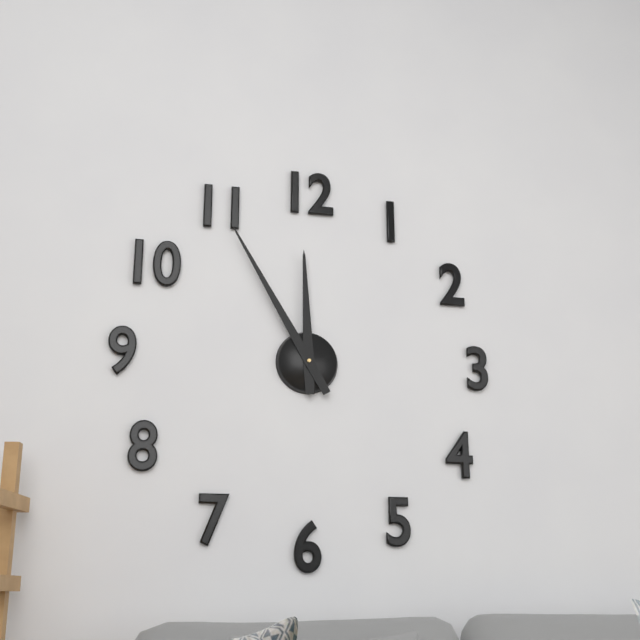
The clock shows 11.55
